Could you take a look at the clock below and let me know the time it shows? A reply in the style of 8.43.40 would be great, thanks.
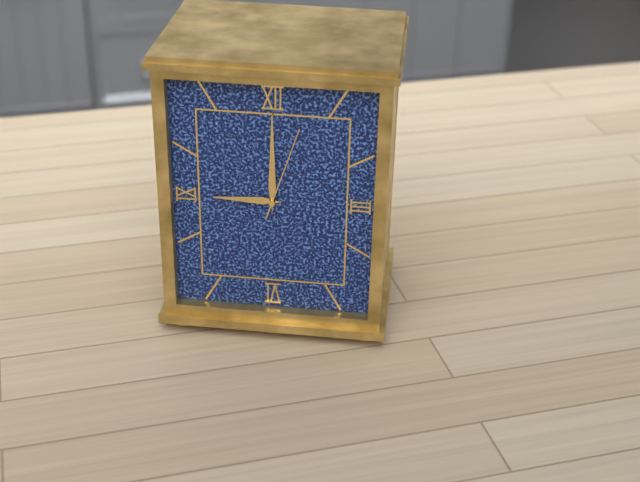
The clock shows 9.00.03
